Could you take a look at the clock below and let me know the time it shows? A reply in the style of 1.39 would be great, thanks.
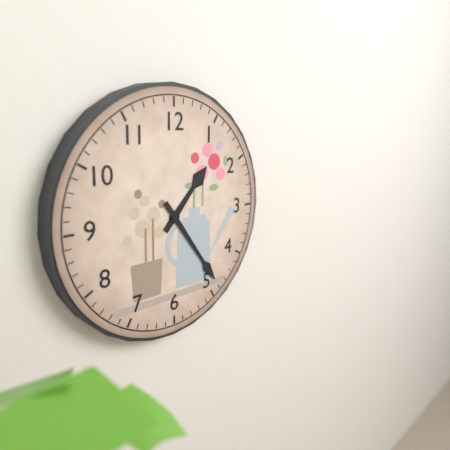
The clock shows 1.24
